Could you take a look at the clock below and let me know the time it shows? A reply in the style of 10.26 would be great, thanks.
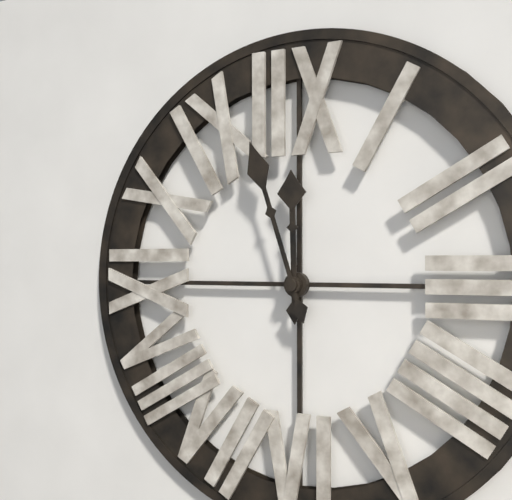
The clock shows 11.57
